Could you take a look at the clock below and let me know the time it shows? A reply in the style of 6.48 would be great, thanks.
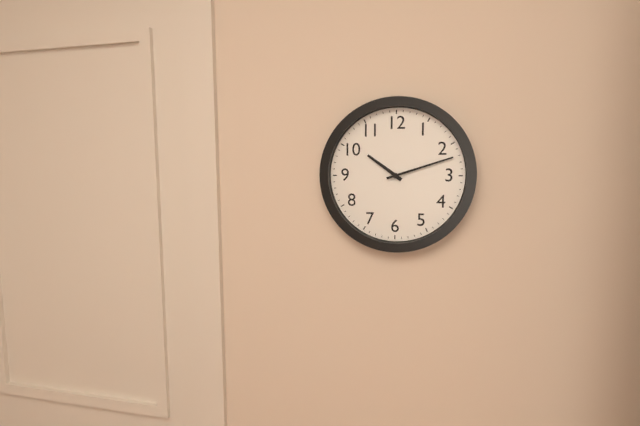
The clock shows 10.12
